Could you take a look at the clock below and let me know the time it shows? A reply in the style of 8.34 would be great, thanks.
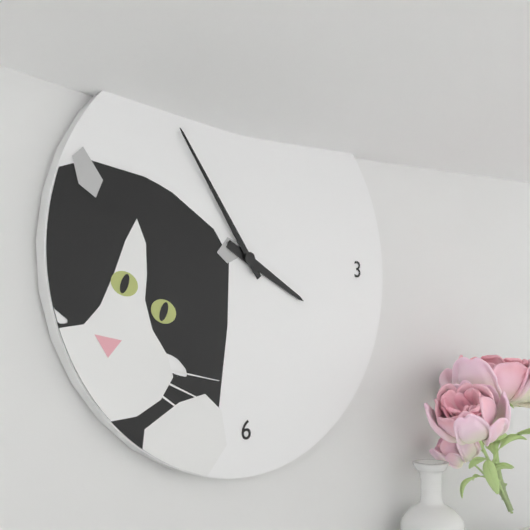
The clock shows 3.54
